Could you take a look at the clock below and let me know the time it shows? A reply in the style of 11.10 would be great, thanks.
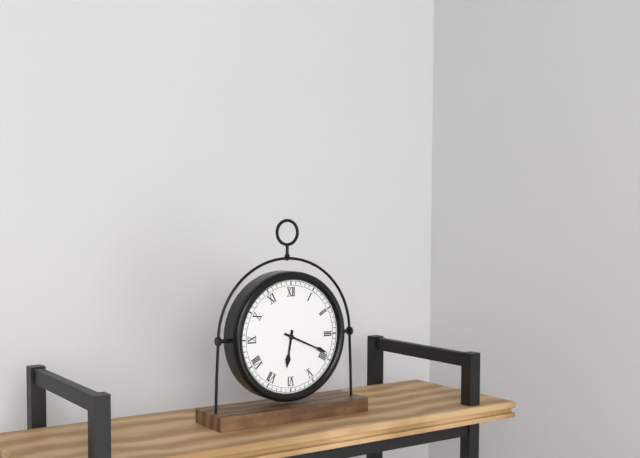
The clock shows 6.19
